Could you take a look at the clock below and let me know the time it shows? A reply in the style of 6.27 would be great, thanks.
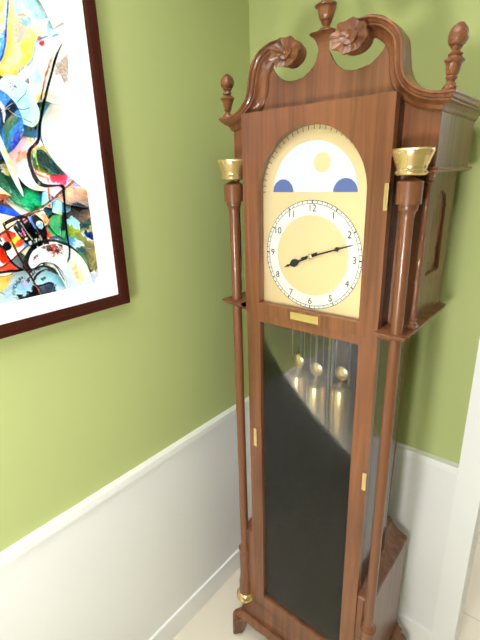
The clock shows 8.12
